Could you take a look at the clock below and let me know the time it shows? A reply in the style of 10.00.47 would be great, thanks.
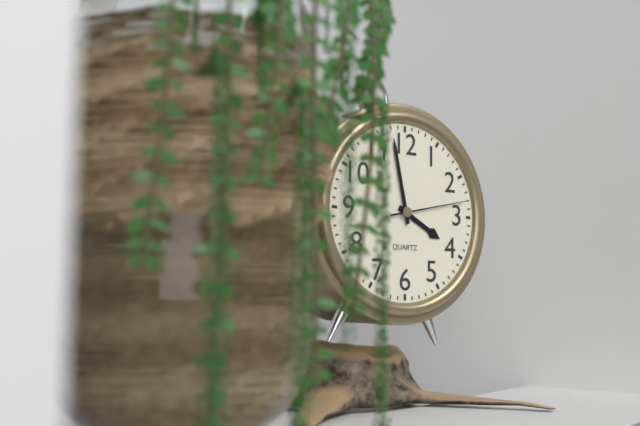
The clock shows 3.58.13
